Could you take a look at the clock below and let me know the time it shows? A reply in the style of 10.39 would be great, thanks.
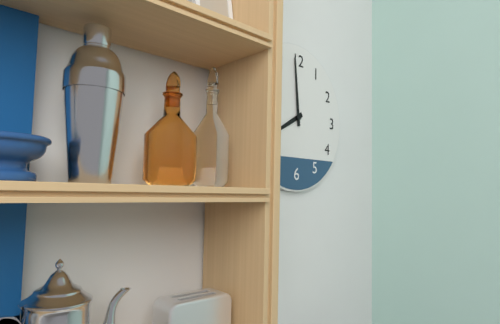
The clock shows 7.59
